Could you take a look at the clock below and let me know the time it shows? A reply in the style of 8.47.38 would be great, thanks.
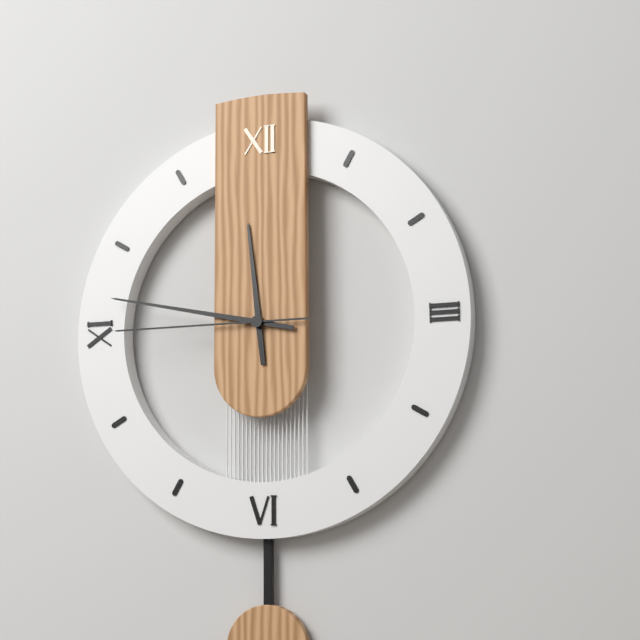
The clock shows 11.47.45
